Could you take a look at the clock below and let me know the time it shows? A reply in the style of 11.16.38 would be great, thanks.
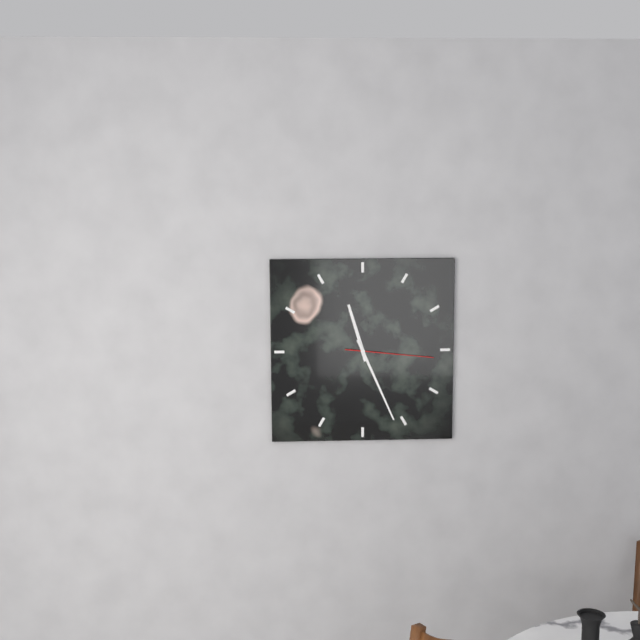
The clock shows 11.26.16
